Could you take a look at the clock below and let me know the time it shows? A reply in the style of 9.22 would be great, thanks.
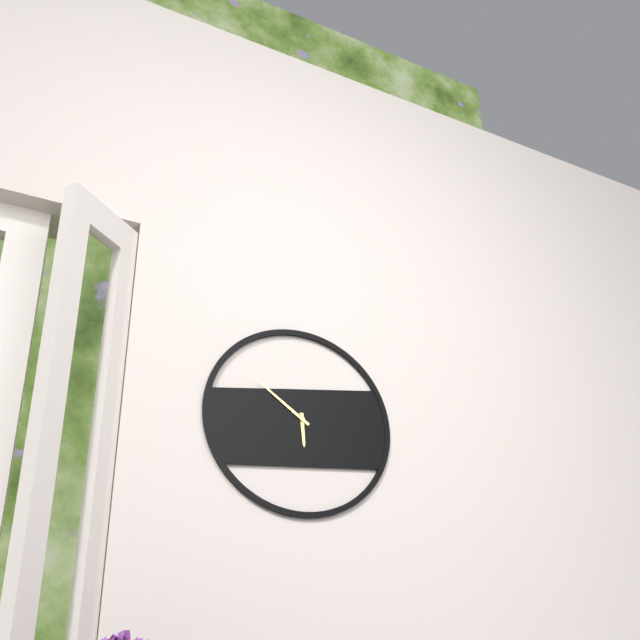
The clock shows 5.51
